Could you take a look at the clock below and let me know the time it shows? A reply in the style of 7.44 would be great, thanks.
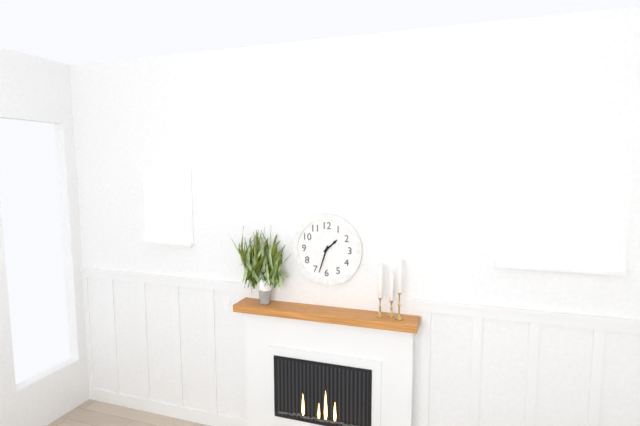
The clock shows 1.33
